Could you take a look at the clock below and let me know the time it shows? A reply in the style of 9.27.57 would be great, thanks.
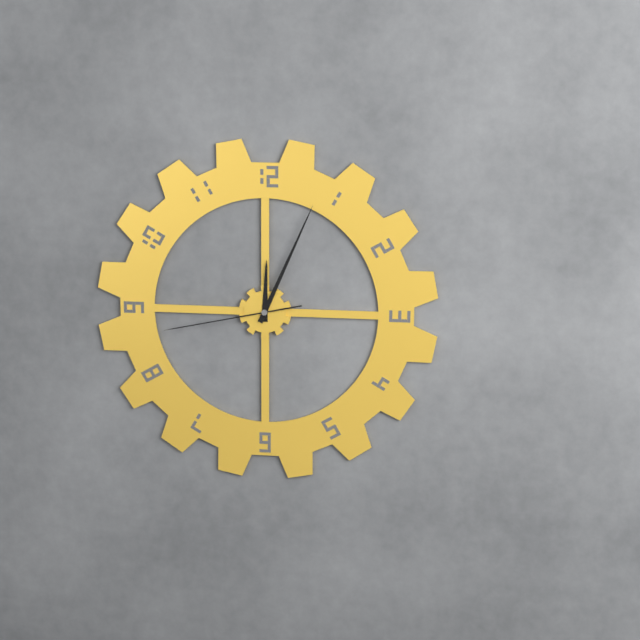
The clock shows 12.04.43
